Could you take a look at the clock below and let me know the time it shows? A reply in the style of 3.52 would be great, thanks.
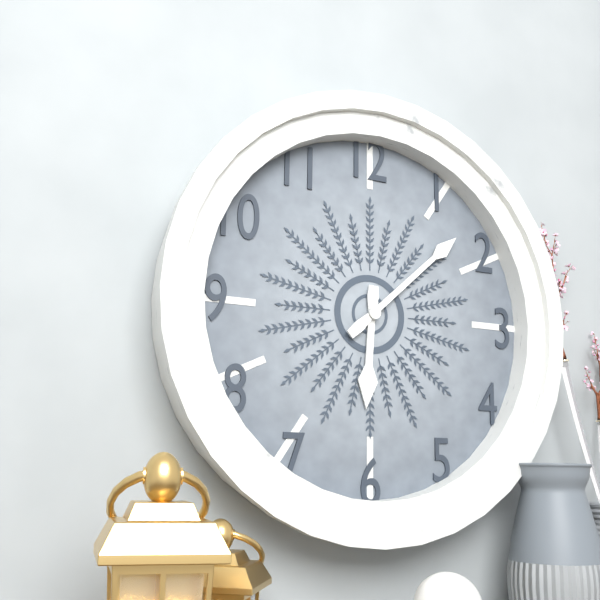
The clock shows 6.08
